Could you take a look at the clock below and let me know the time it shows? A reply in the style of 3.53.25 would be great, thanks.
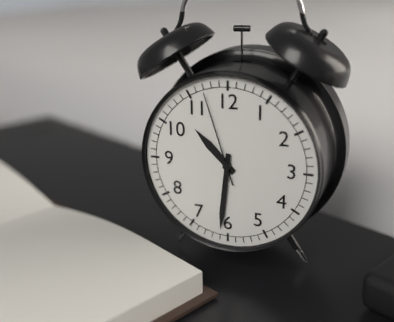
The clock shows 10.31.57
